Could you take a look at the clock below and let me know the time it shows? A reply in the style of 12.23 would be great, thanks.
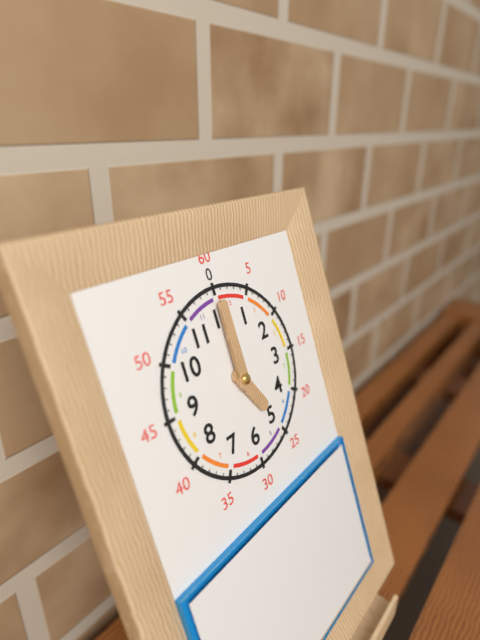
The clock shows 5.00
